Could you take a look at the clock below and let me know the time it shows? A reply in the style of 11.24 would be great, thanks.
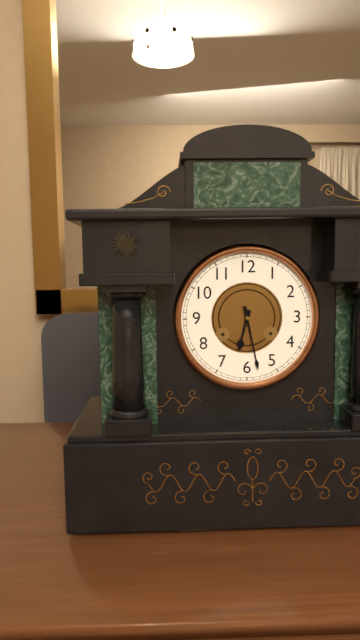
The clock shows 6.28
